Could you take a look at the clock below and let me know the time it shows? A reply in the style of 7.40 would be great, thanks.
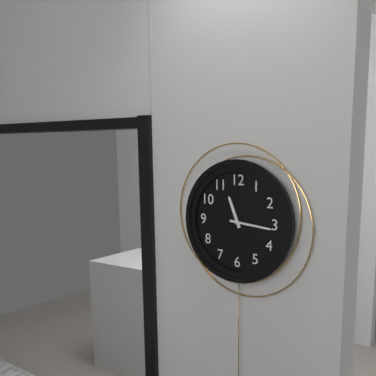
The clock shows 11.16
